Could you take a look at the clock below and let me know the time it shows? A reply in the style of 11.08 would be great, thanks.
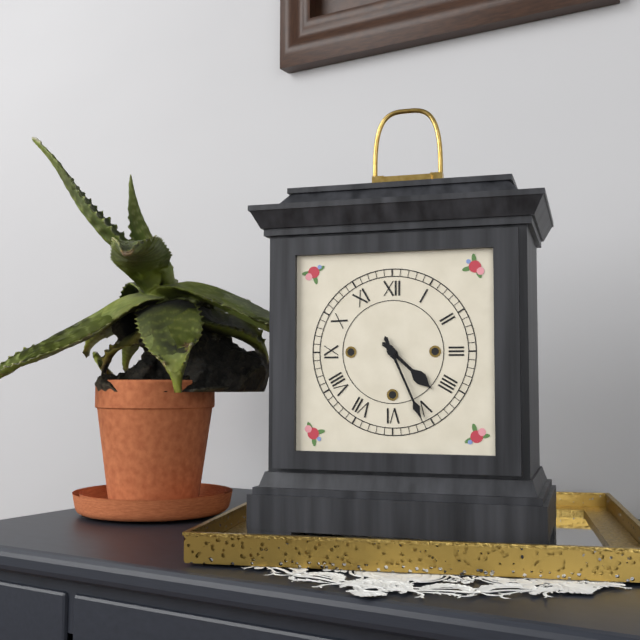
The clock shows 4.26
